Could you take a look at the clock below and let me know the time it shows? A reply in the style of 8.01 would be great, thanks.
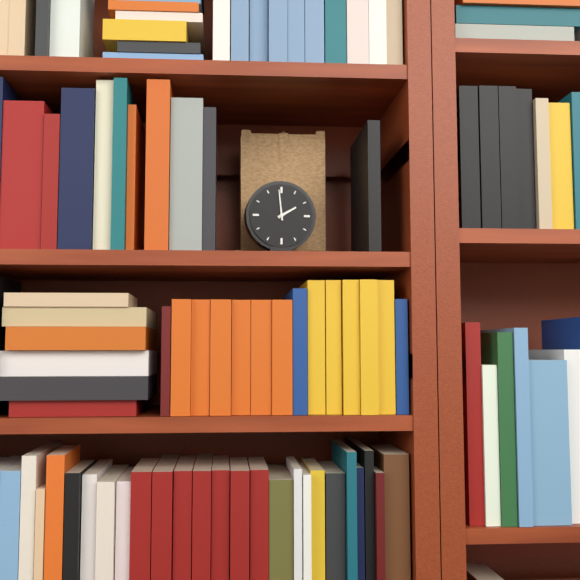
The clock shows 1.59
